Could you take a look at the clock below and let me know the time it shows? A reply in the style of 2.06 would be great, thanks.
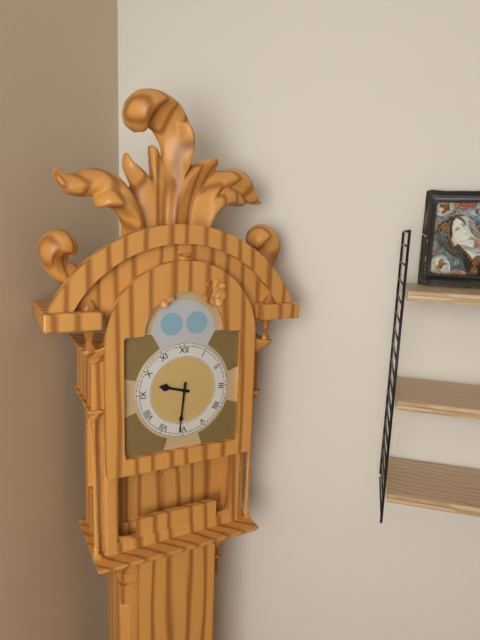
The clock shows 9.31
